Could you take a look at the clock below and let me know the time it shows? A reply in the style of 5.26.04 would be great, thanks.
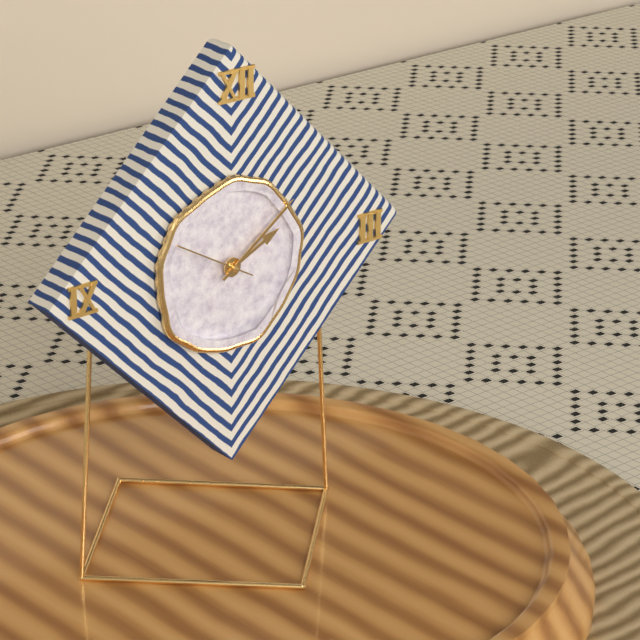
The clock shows 2.09.50
